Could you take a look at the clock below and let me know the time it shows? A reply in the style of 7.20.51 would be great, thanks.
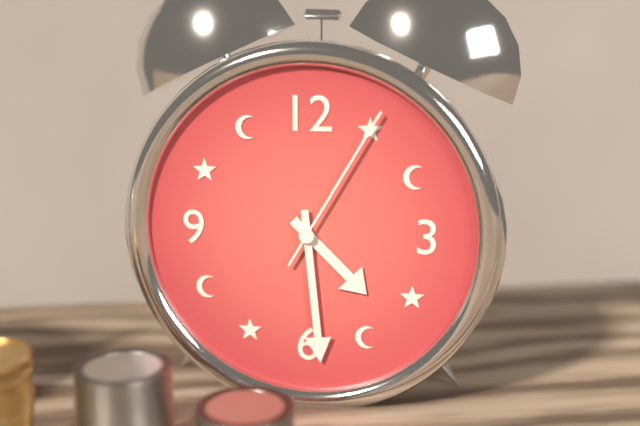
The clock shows 4.29.05
